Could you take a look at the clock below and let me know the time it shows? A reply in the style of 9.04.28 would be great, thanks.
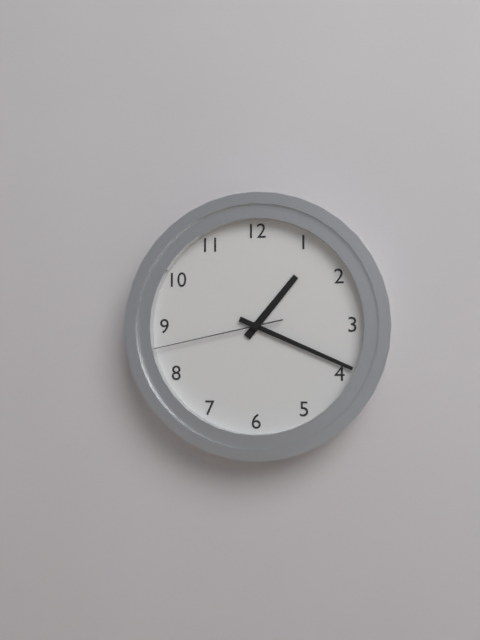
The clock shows 1.19.43
